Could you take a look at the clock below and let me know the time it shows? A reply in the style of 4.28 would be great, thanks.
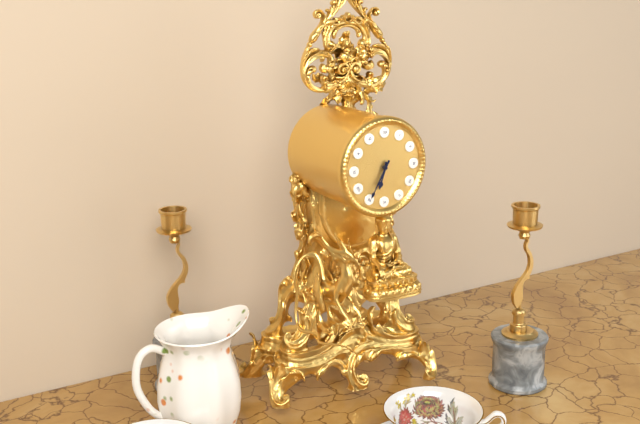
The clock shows 6.35
